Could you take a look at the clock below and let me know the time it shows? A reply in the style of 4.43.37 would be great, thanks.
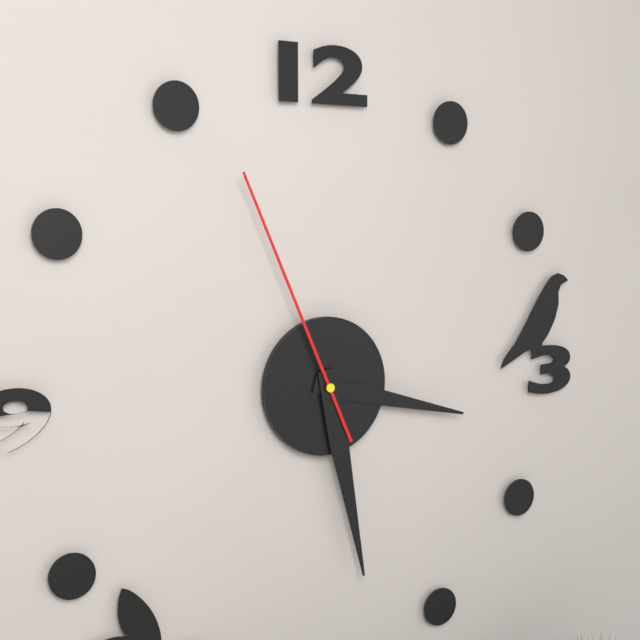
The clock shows 3.28.56
